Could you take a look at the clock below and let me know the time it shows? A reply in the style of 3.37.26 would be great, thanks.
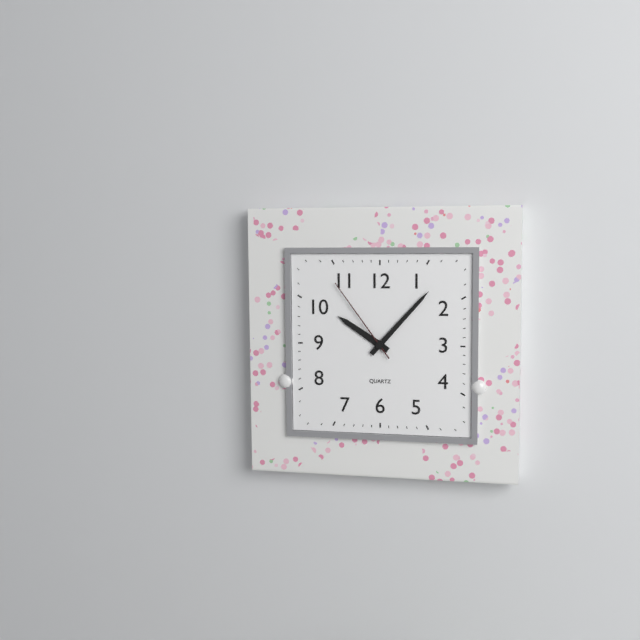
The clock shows 10.07.54
